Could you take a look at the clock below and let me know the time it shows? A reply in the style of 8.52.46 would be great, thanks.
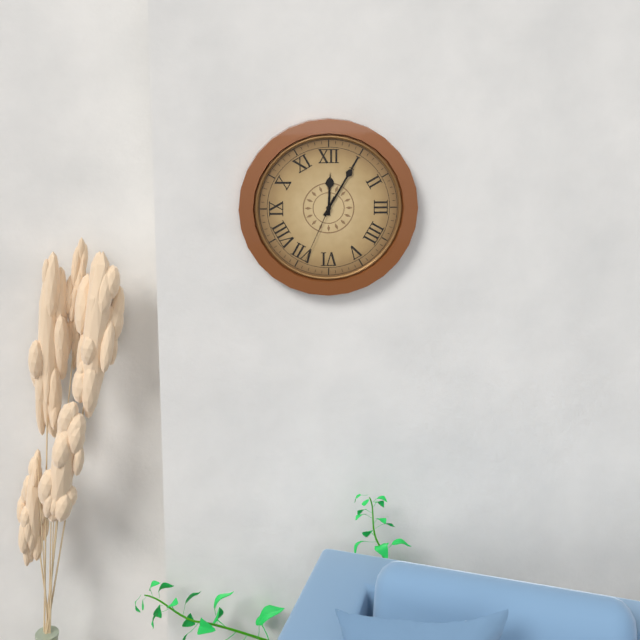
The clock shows 12.05.34
